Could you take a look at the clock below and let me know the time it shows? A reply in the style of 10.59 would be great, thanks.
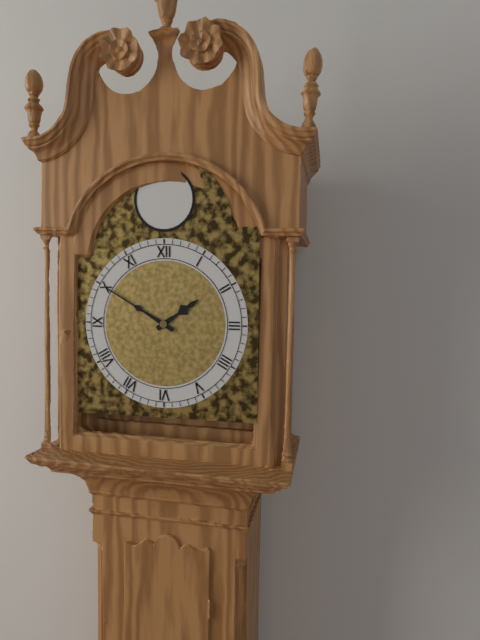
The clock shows 1.50
